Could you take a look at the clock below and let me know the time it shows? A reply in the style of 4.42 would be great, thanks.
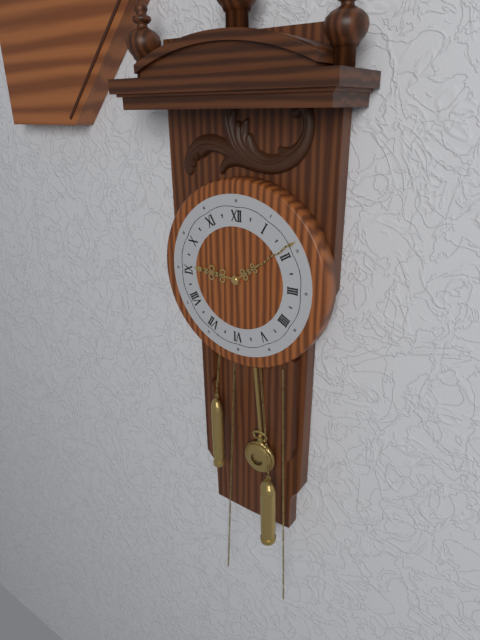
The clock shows 9.09
